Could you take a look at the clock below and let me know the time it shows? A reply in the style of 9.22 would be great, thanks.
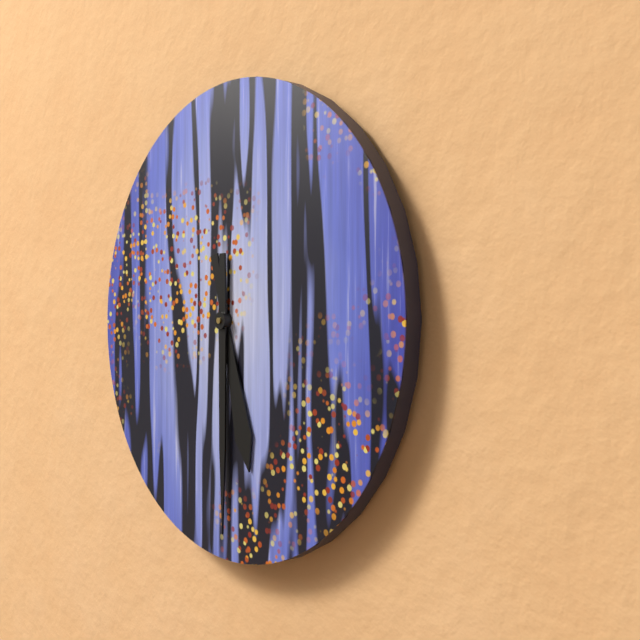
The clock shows 5.30
